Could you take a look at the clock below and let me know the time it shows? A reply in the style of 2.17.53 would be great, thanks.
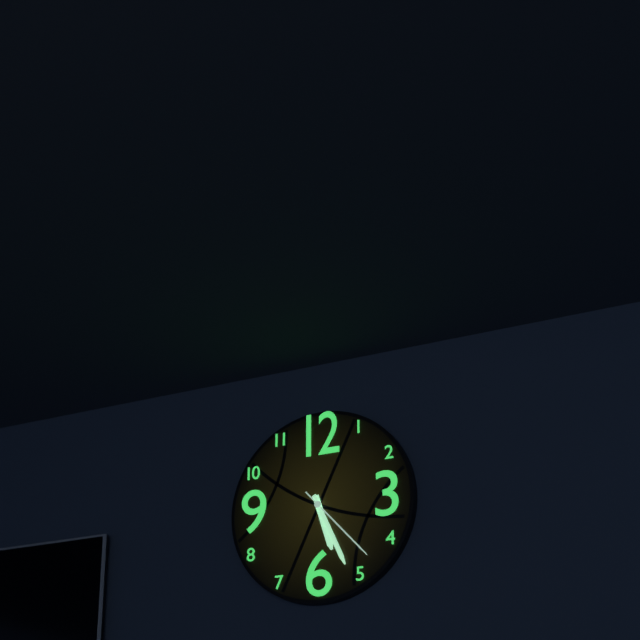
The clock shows 5.26.23
